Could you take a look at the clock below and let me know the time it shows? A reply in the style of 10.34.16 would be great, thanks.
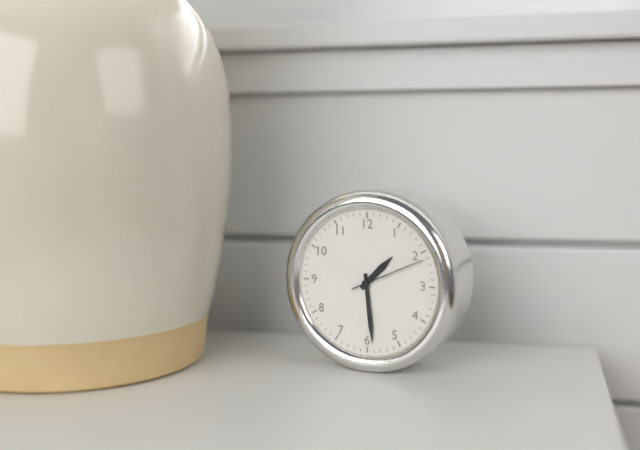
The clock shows 1.29.11
